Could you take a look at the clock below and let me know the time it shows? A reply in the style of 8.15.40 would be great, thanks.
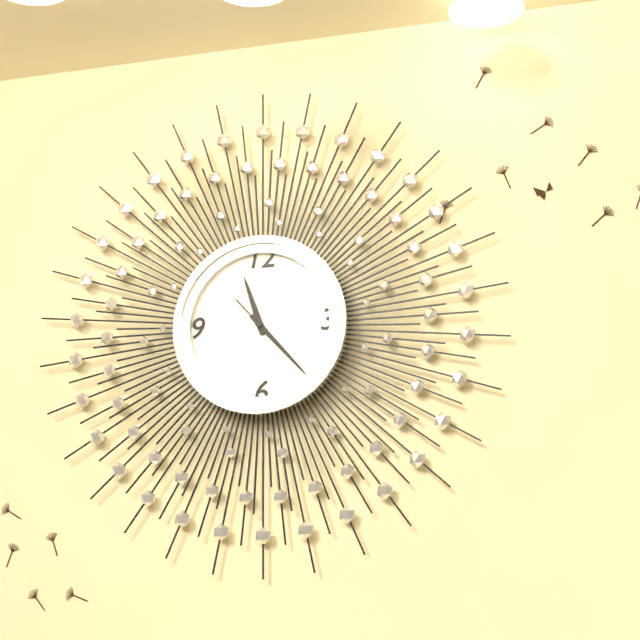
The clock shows 11.23.23
